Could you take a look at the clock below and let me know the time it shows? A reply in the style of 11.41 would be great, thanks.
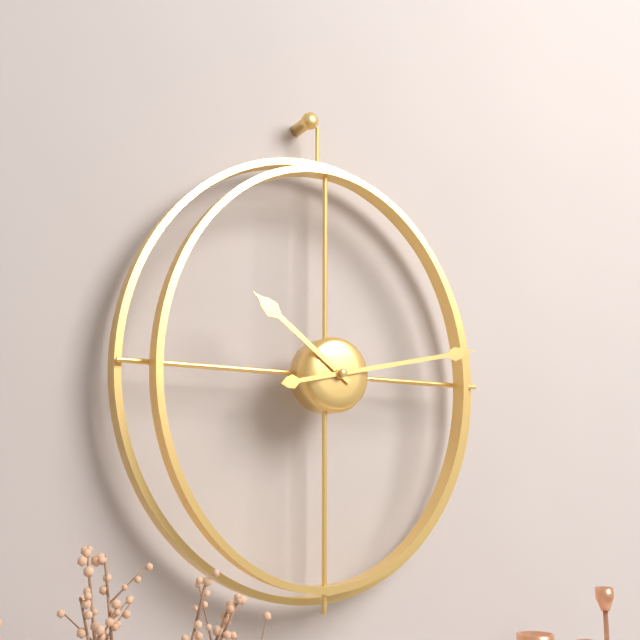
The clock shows 10.13
